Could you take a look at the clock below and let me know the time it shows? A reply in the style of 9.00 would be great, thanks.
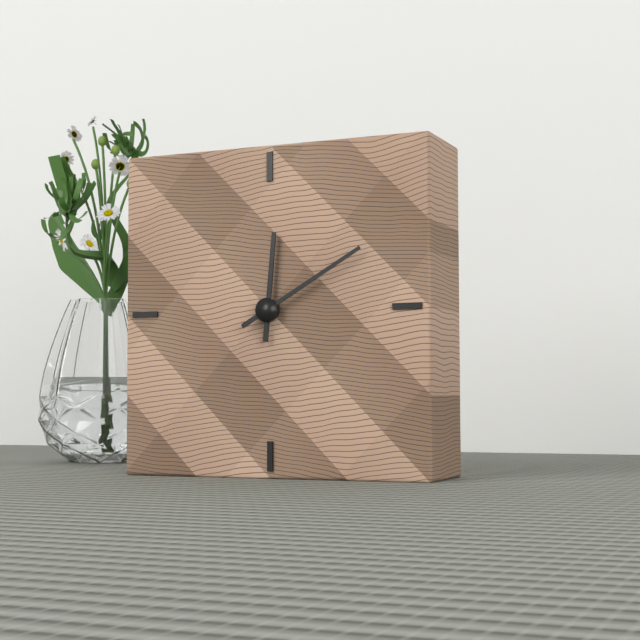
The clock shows 12.10
